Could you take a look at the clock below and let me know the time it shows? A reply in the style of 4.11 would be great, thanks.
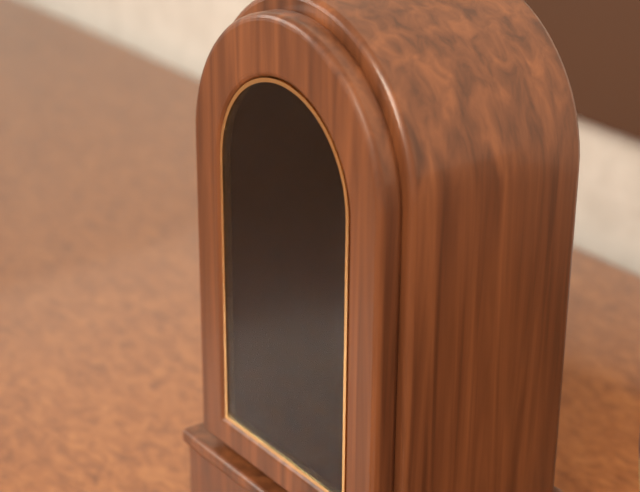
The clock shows 8.39
